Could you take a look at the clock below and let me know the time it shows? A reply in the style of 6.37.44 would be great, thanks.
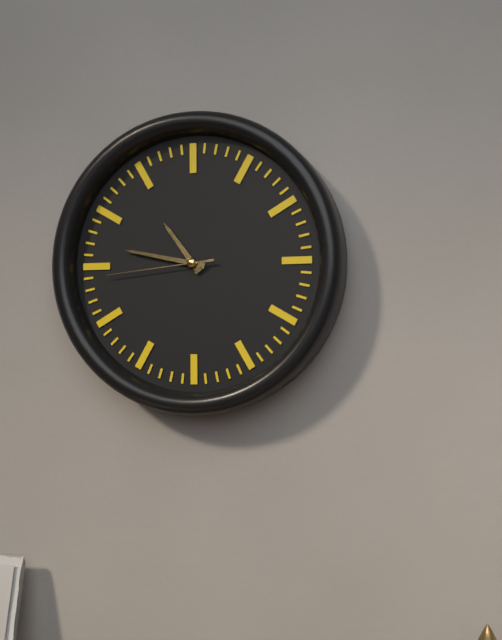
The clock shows 10.47.44
